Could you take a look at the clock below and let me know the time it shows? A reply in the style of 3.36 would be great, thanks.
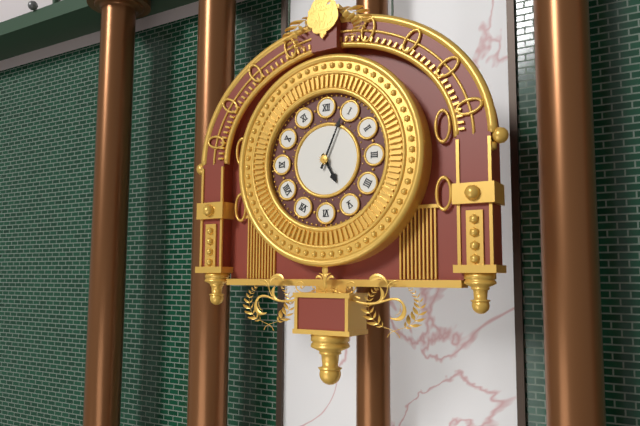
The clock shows 5.04
